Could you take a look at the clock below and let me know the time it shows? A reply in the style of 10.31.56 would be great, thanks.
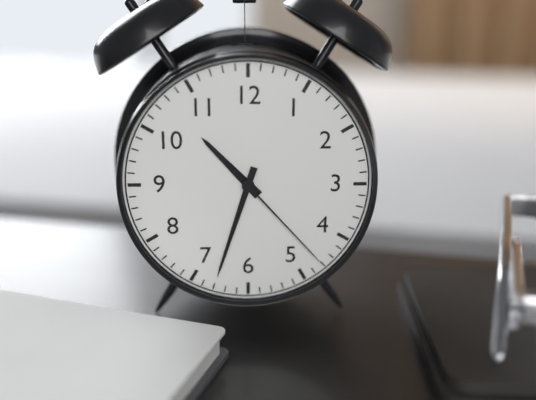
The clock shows 10.33.23
